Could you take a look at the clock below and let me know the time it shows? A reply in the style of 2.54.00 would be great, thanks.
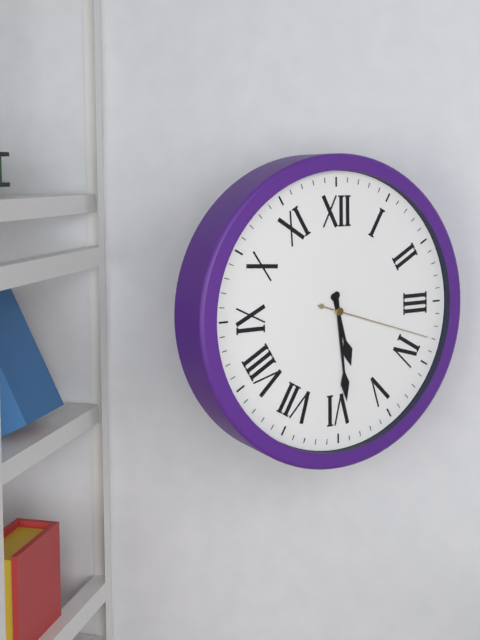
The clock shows 5.29.18
